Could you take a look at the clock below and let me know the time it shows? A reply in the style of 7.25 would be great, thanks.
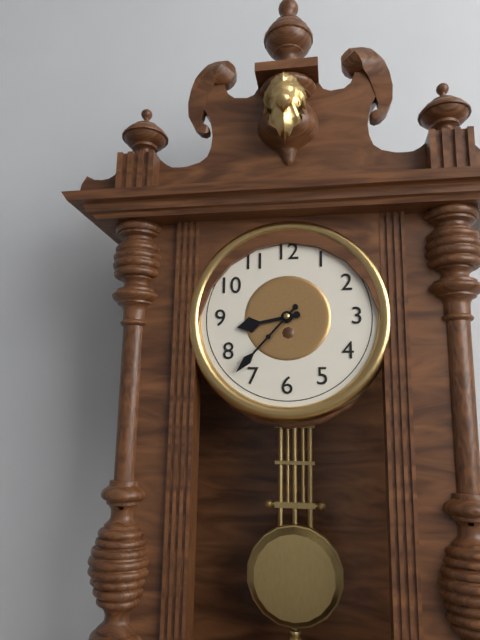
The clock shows 8.37
